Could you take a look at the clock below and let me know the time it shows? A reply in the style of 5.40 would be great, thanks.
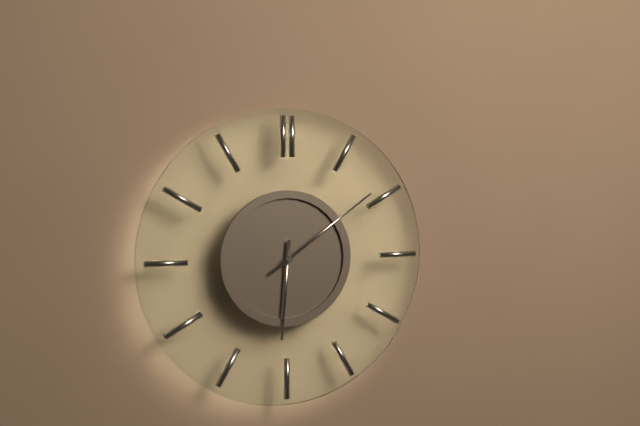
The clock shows 6.09
